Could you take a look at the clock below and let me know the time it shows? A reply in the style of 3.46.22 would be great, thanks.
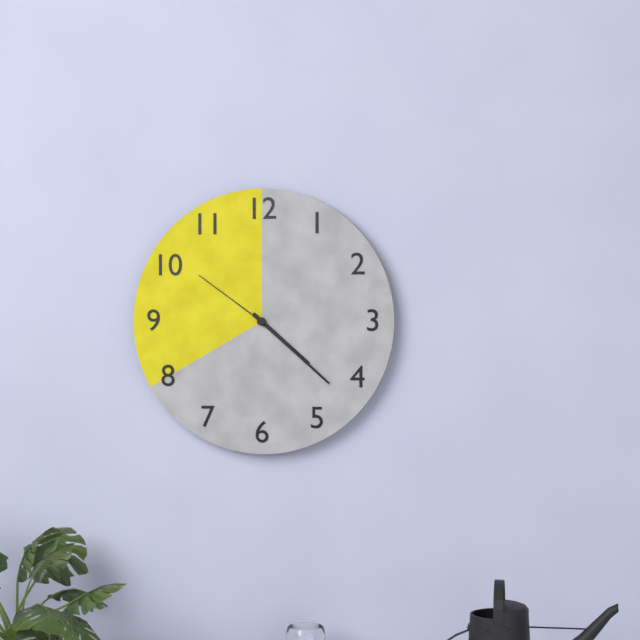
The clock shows 4.22.51
